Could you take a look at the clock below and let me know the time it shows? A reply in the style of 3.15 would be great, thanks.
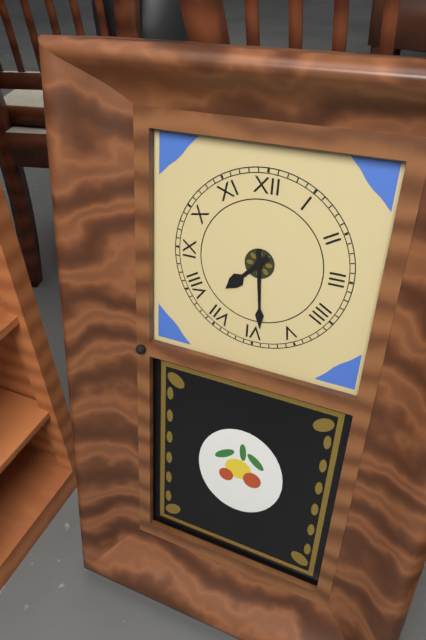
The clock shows 7.29
